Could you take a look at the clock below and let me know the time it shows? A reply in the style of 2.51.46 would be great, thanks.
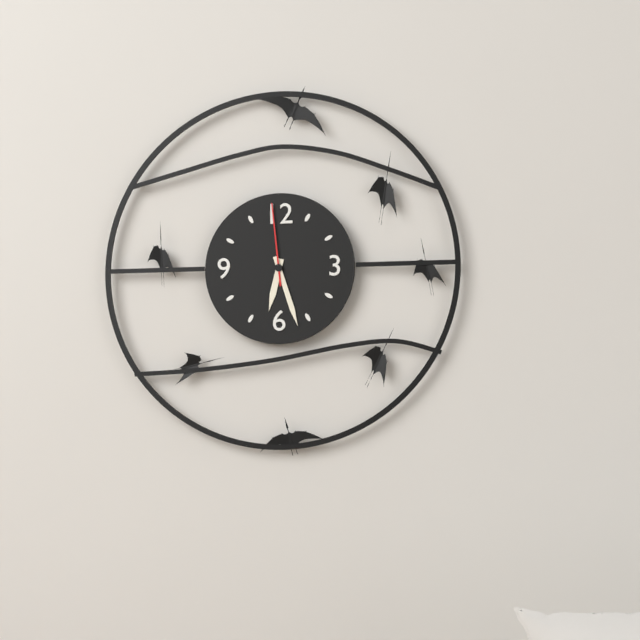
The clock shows 6.27.59
